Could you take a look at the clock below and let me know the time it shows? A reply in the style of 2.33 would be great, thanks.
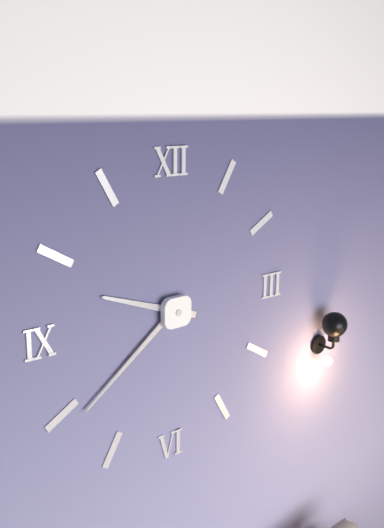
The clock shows 9.39
